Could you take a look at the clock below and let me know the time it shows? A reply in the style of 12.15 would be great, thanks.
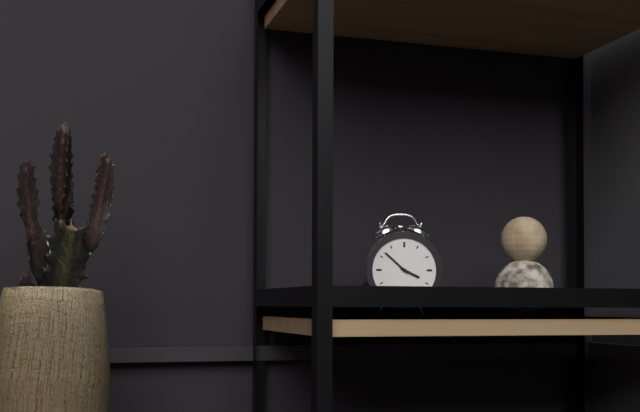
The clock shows 3.52
